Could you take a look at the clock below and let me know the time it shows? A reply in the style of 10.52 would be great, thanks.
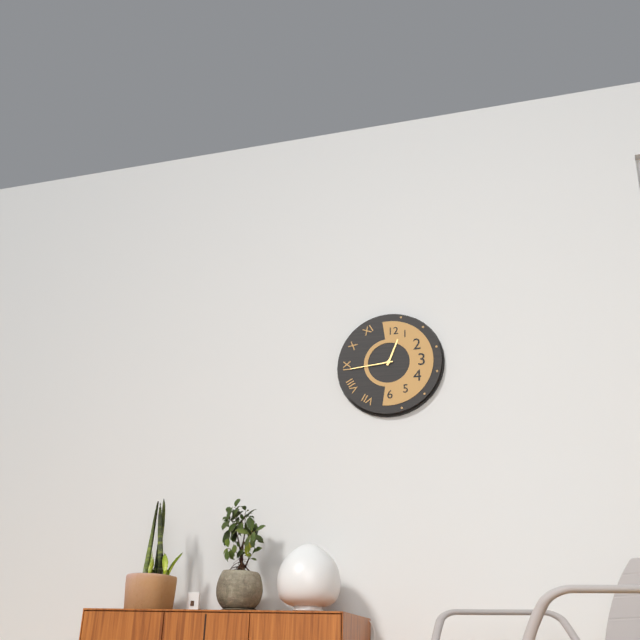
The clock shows 12.44
